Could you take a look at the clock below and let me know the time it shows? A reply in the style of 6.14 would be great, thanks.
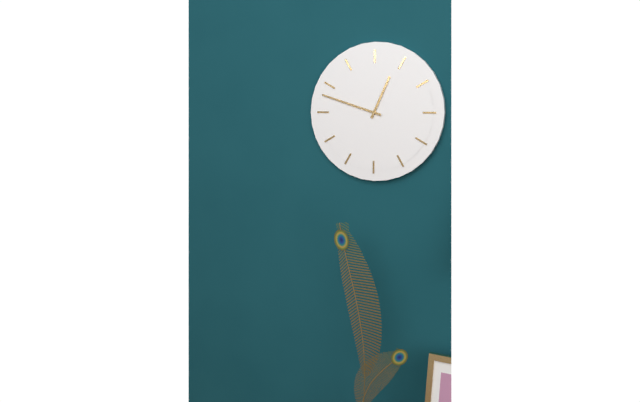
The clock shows 12.48
